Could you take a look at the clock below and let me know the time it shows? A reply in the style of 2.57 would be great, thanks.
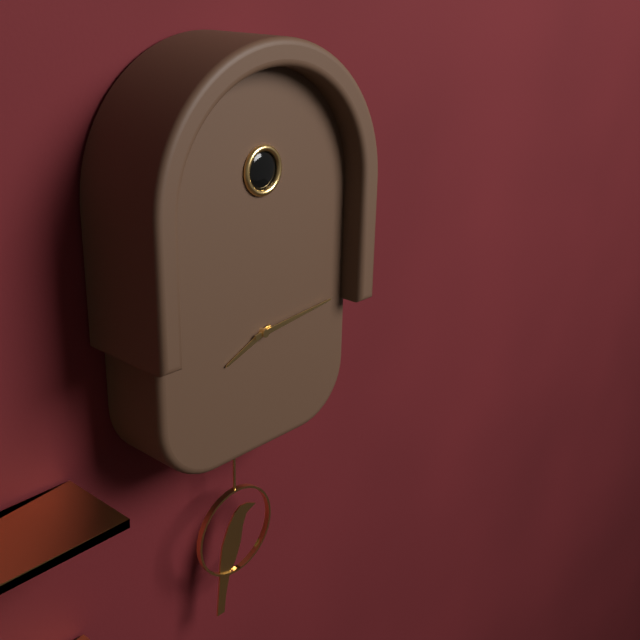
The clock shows 8.14
